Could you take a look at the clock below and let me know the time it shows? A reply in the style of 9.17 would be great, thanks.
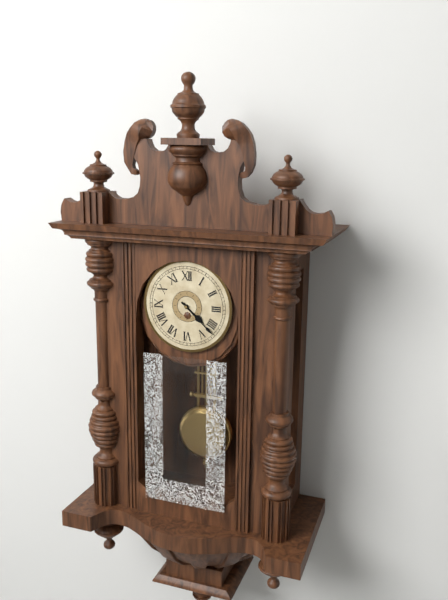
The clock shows 4.22
